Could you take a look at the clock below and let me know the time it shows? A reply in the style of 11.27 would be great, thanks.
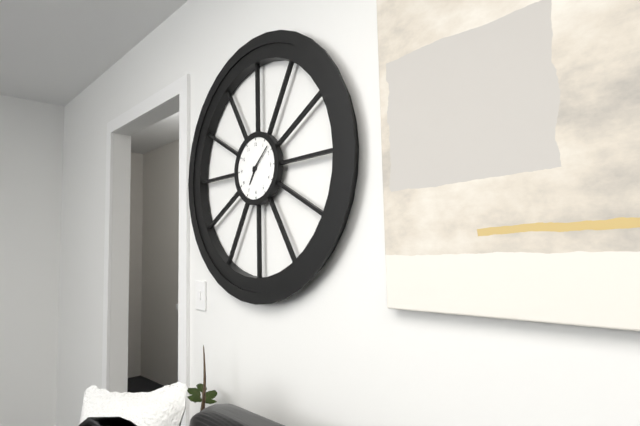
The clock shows 7.08
